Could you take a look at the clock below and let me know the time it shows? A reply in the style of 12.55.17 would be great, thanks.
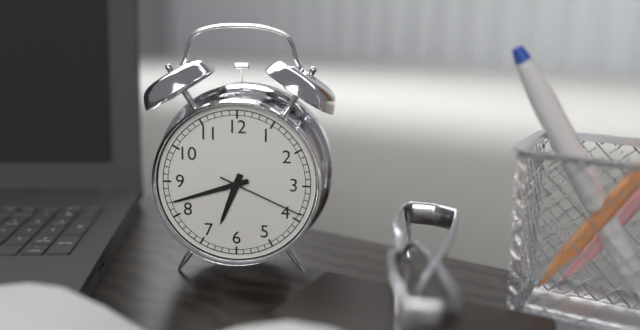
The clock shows 6.42.19
